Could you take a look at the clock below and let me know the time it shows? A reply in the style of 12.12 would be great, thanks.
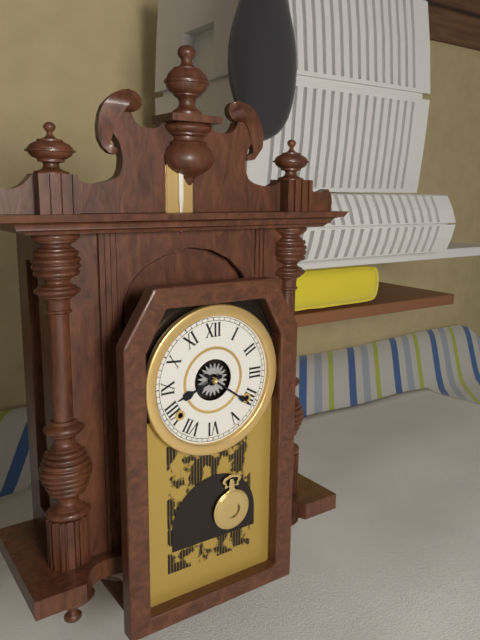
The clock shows 8.21
